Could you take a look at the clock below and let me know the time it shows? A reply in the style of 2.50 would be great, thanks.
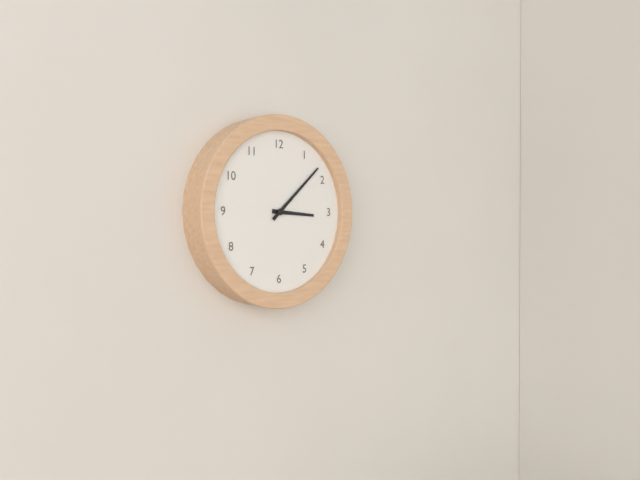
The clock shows 3.08
